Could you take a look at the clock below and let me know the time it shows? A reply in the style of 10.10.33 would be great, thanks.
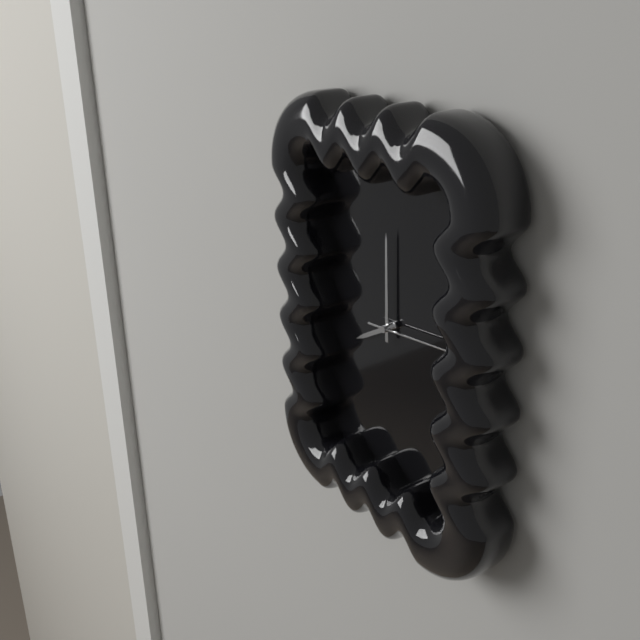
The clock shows 8.00.14
